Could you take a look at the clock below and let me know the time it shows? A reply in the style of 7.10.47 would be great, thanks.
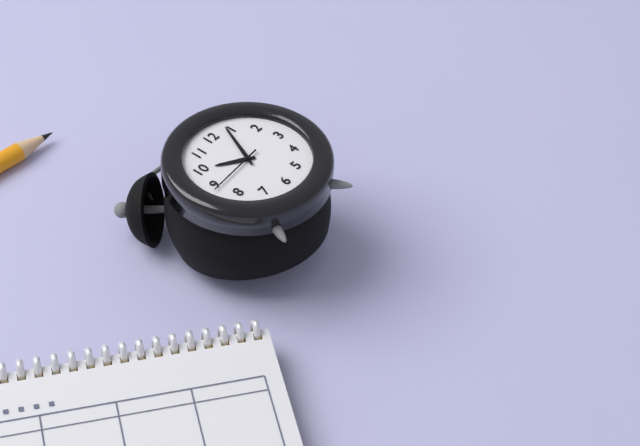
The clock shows 10.04.44
